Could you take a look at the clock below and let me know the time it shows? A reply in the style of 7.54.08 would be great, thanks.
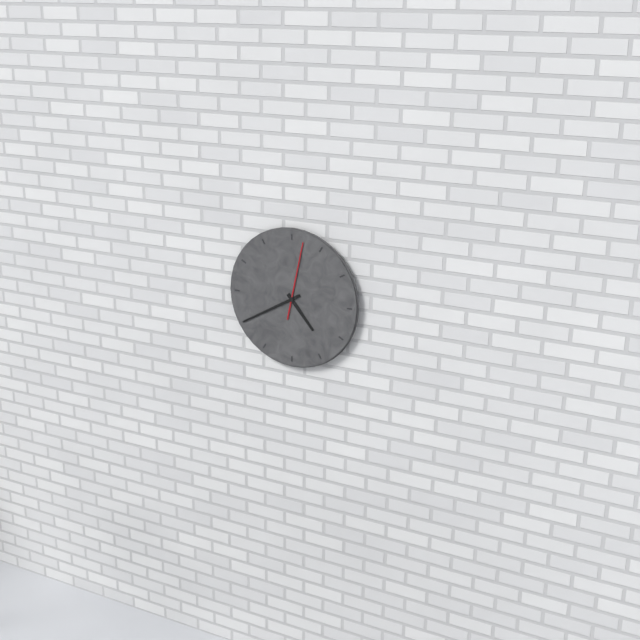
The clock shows 4.40.02
